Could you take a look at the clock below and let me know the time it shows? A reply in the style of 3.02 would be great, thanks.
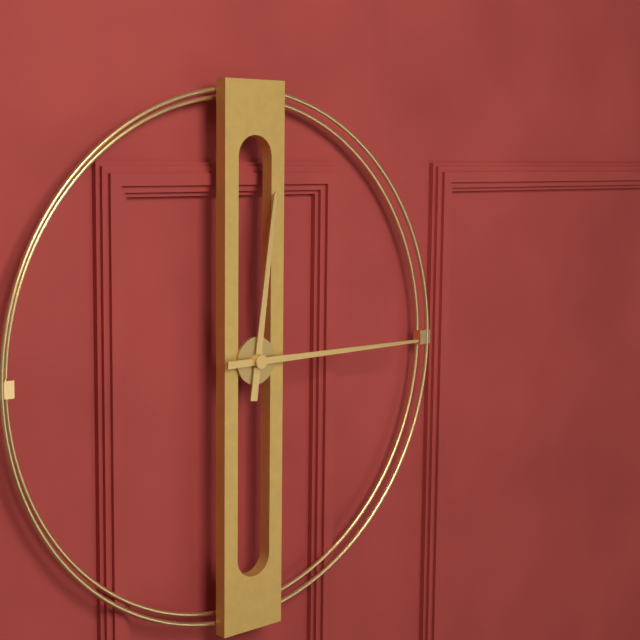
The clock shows 12.15
